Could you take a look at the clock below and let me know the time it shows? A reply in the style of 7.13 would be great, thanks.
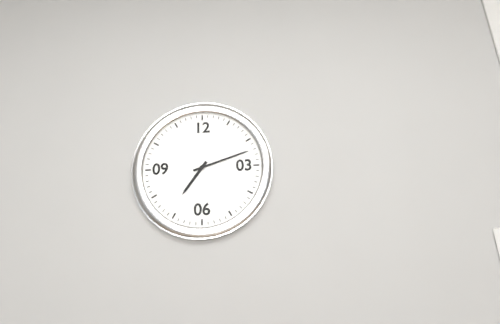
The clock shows 7.12
